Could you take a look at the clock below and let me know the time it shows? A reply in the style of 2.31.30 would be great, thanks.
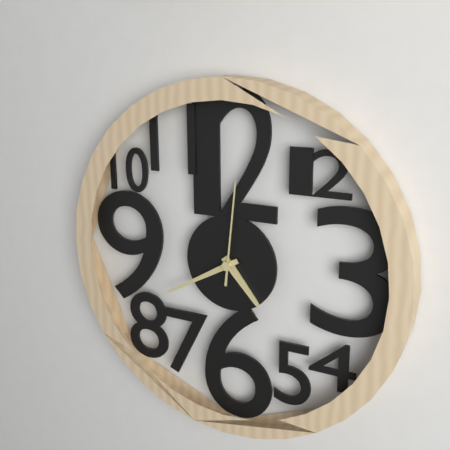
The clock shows 4.40.01
